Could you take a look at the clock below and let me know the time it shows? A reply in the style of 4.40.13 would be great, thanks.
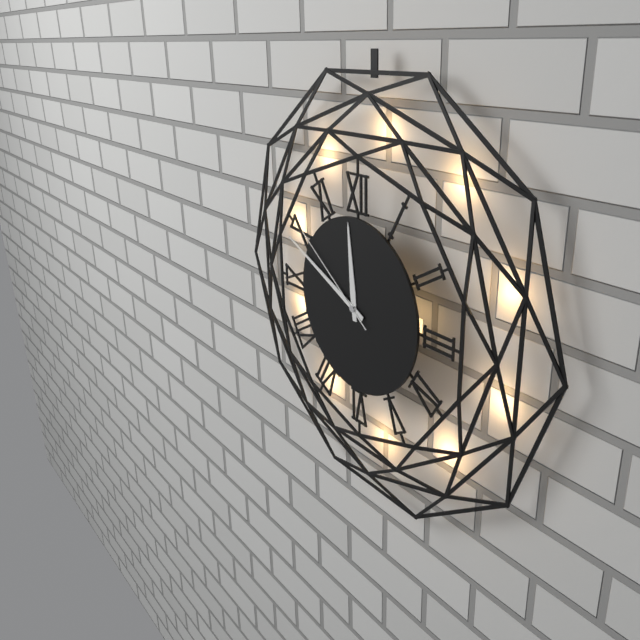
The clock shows 11.49.51
